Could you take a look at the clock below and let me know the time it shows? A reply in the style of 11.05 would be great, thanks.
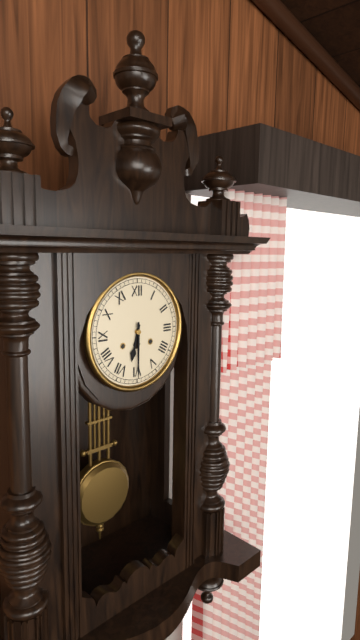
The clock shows 6.30
